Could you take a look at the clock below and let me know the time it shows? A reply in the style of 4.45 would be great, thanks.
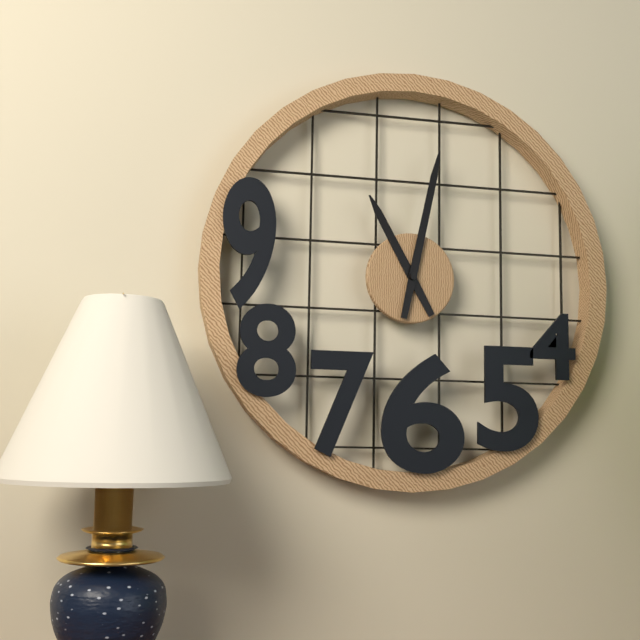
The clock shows 11.02
